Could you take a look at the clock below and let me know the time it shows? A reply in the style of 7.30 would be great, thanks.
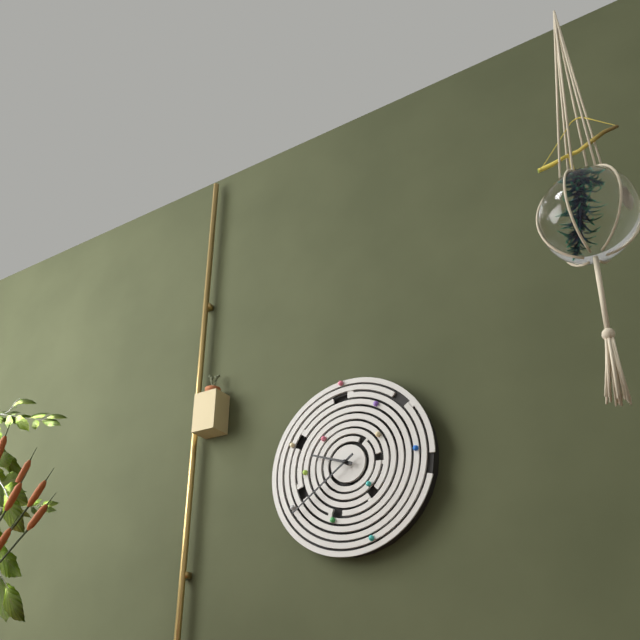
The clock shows 9.39
